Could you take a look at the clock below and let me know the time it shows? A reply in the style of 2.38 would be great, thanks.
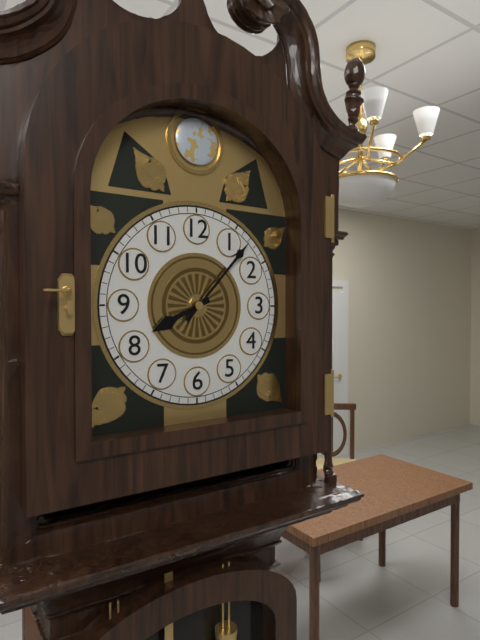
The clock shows 8.07
